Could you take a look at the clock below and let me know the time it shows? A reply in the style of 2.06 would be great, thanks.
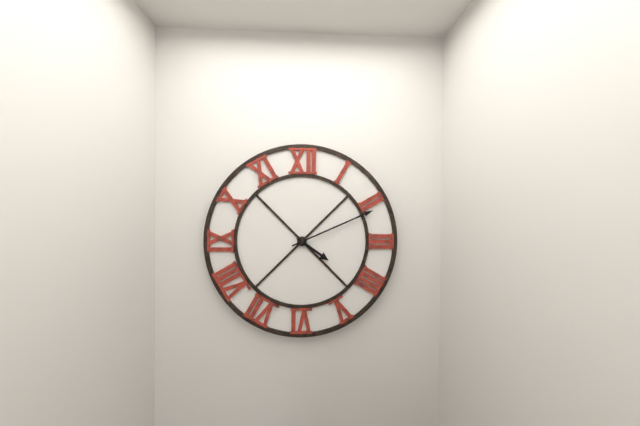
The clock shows 4.11
